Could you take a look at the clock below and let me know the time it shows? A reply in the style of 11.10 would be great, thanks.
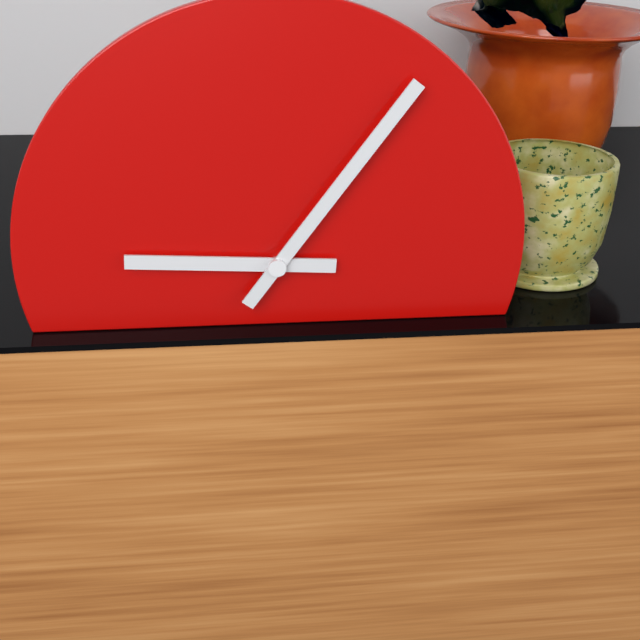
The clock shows 9.06
